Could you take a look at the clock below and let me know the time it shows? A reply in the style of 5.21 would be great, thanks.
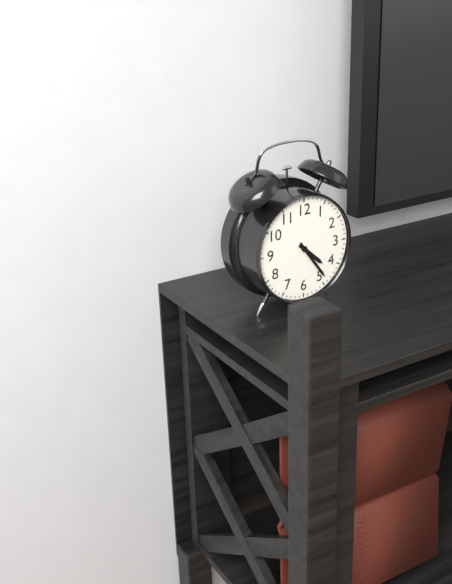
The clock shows 4.24
